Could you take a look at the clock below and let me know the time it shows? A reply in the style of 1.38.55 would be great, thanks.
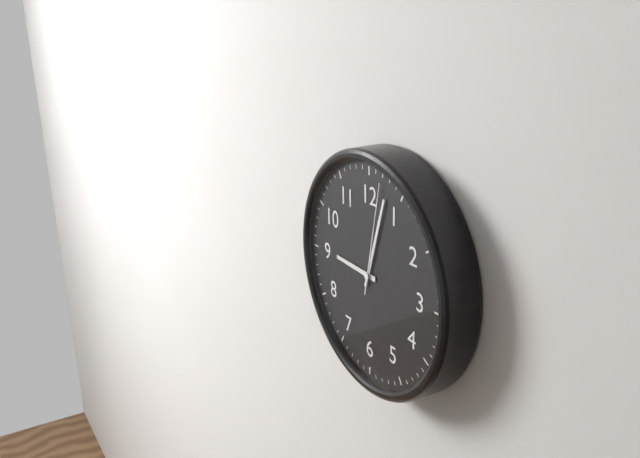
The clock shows 9.03.02
